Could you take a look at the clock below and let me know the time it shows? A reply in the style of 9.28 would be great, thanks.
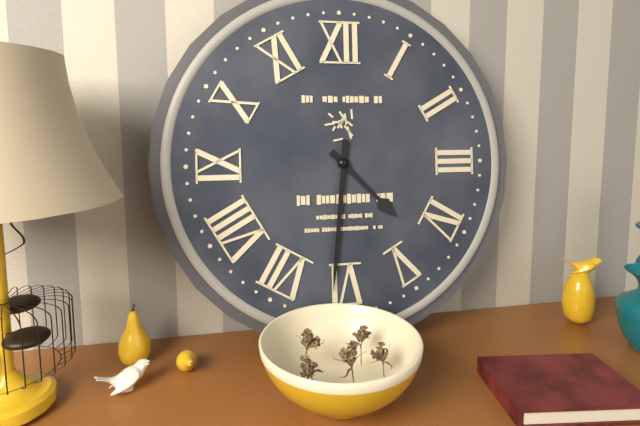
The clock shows 4.31
